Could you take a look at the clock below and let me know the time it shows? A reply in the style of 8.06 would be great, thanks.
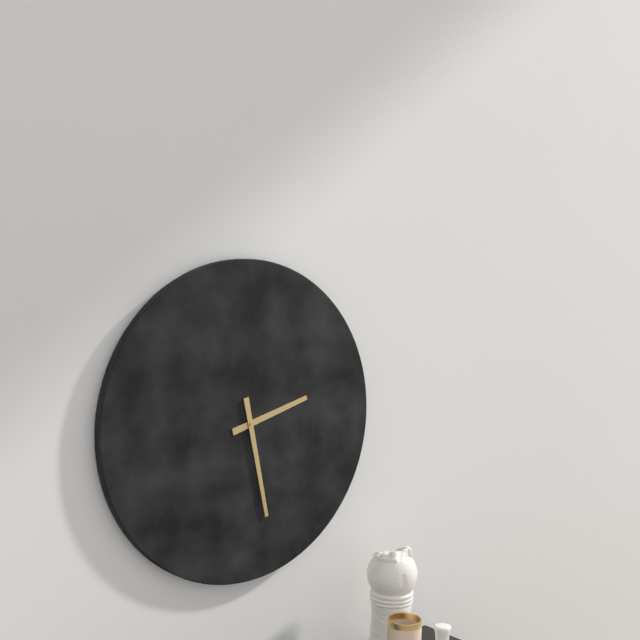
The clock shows 2.28
